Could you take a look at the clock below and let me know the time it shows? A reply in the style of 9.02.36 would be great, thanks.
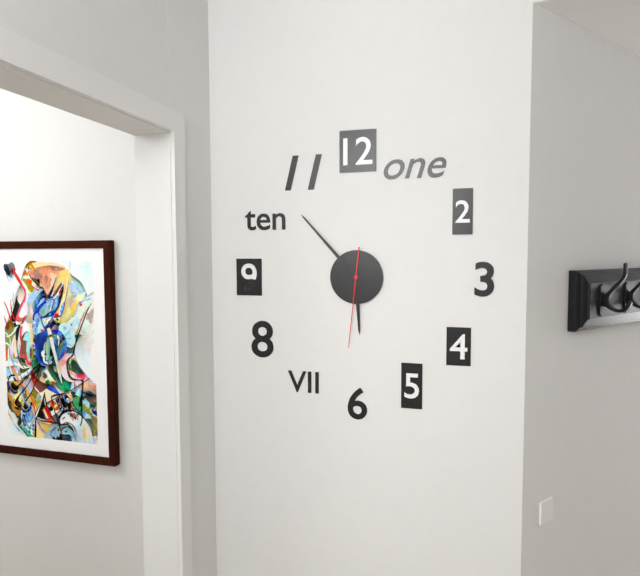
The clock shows 5.53.31
